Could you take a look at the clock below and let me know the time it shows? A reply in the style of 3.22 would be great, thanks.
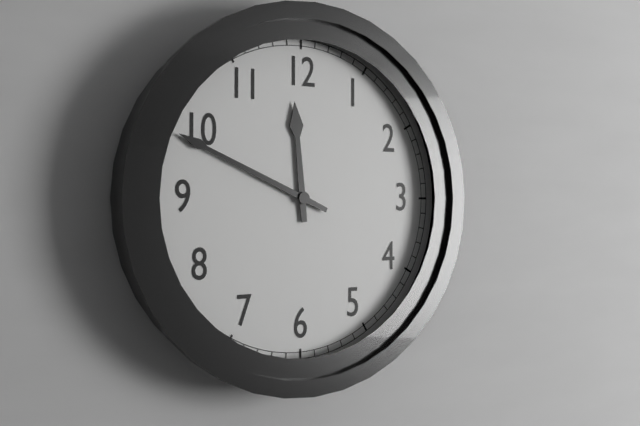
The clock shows 11.49
